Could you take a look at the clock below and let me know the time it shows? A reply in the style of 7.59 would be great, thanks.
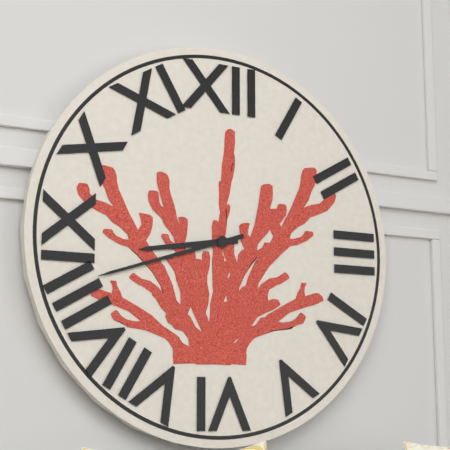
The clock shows 8.42
